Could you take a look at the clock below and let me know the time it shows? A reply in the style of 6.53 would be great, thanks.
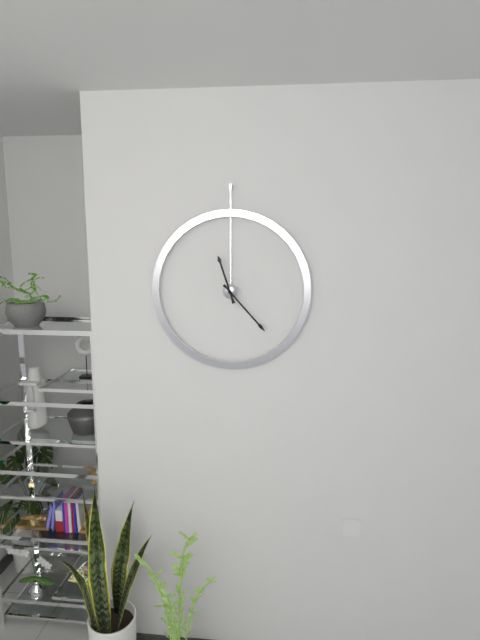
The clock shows 11.23
